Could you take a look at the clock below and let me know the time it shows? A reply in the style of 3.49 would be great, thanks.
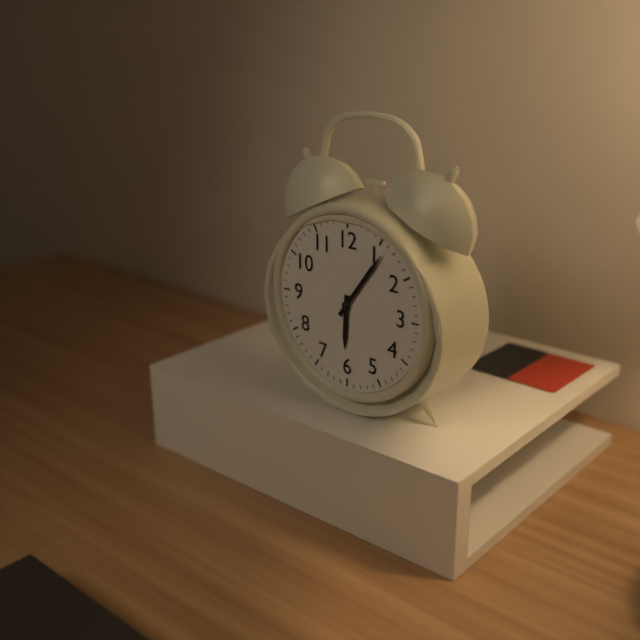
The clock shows 6.06
